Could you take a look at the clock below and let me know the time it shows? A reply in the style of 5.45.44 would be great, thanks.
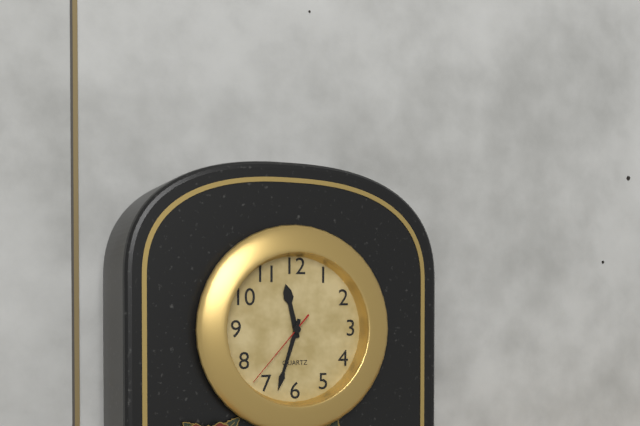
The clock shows 11.33.37
